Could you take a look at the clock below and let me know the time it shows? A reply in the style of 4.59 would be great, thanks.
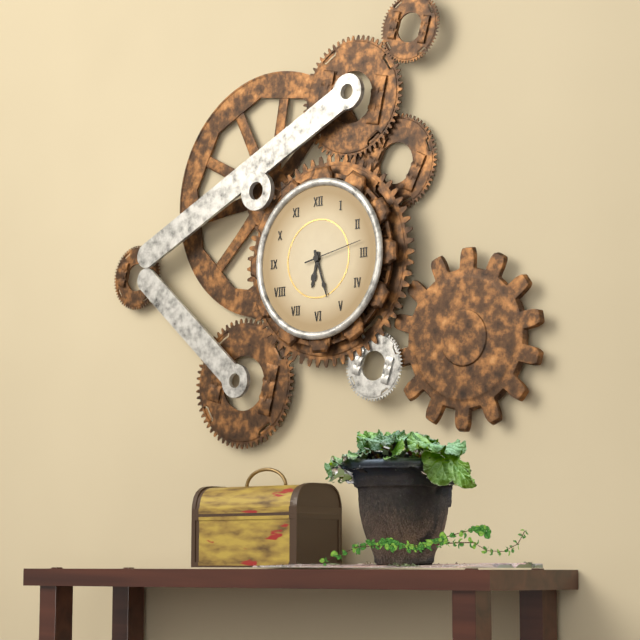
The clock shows 6.27
